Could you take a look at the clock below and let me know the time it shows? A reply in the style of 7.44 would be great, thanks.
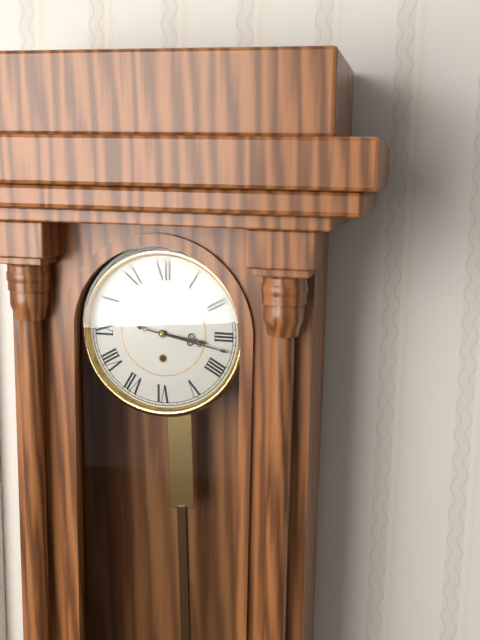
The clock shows 3.17
